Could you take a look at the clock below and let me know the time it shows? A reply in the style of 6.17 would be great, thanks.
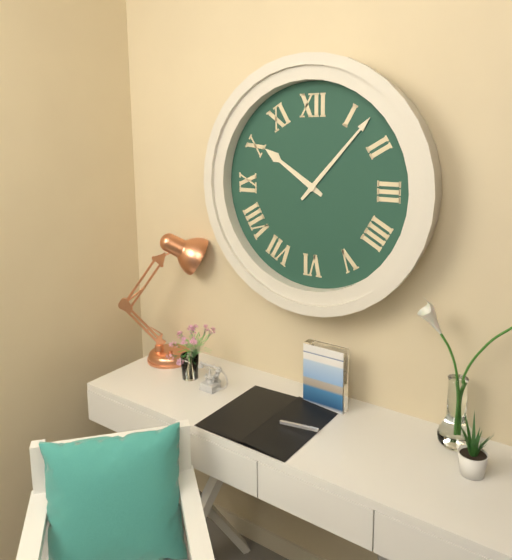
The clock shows 10.07
